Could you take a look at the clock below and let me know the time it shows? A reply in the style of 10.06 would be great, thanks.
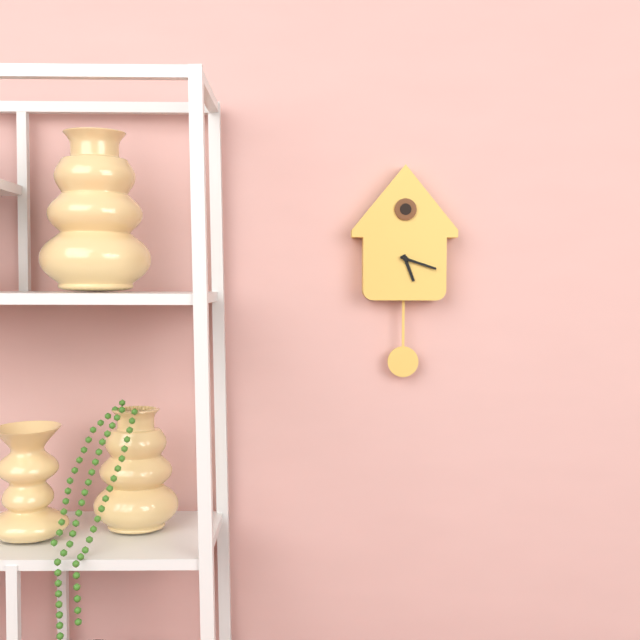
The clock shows 5.18
